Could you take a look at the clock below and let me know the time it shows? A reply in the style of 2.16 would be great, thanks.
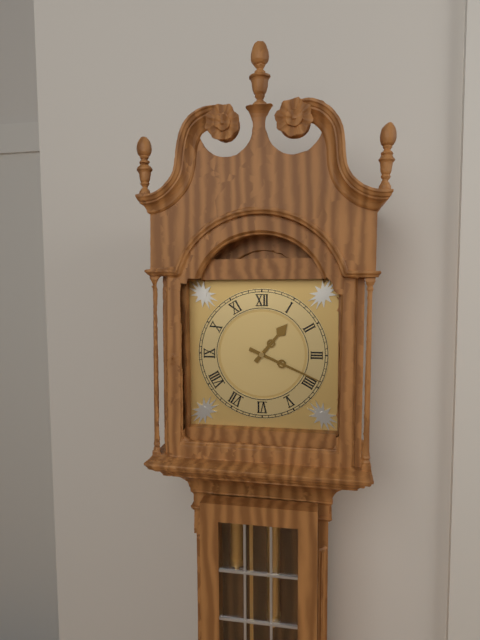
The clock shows 1.19
